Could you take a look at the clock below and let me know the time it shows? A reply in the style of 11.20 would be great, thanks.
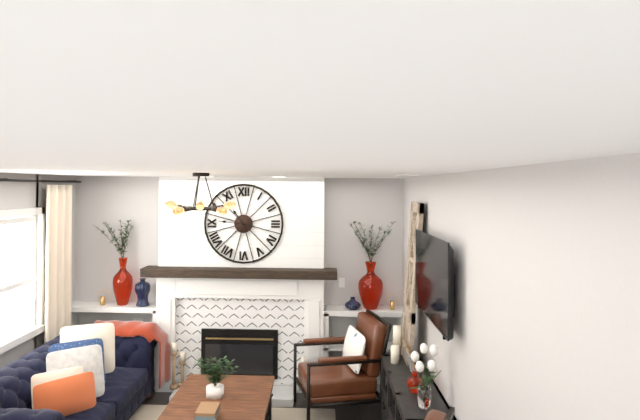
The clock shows 10.46
